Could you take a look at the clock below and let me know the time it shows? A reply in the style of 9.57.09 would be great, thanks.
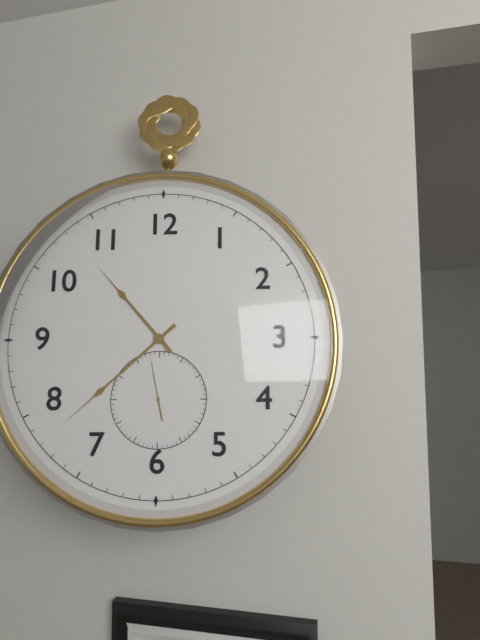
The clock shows 10.38.58
